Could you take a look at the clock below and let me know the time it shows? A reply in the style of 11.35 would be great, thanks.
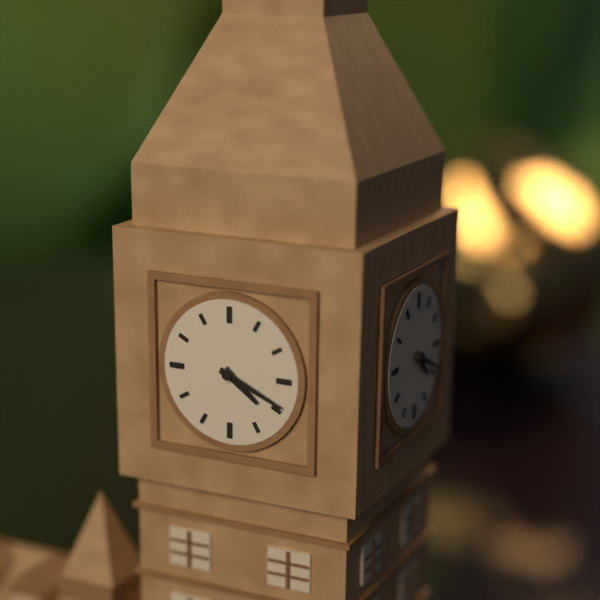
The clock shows 4.19
